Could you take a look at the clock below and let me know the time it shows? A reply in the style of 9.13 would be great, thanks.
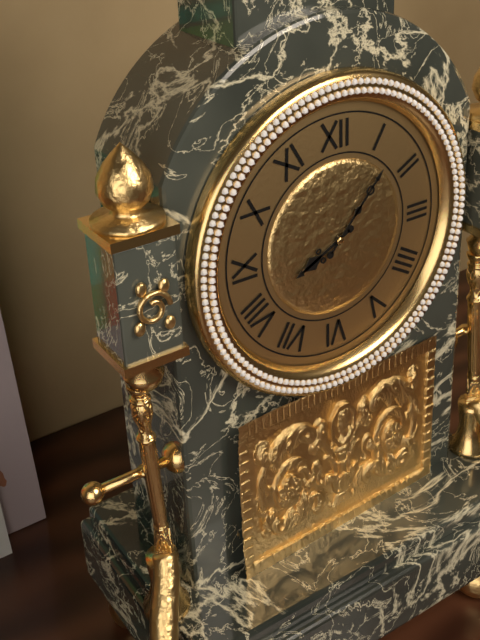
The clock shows 8.07
